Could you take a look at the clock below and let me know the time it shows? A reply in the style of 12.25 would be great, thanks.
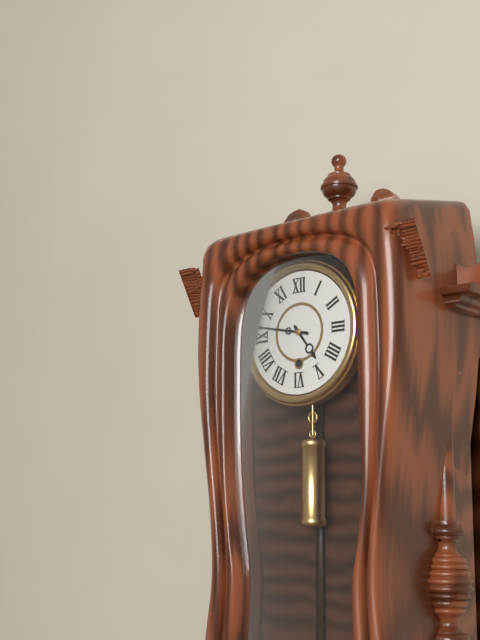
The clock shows 4.47
